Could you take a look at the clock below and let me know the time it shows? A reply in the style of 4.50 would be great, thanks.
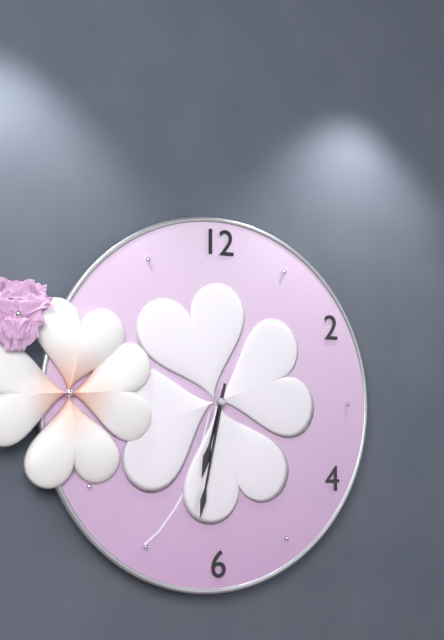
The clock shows 6.32
